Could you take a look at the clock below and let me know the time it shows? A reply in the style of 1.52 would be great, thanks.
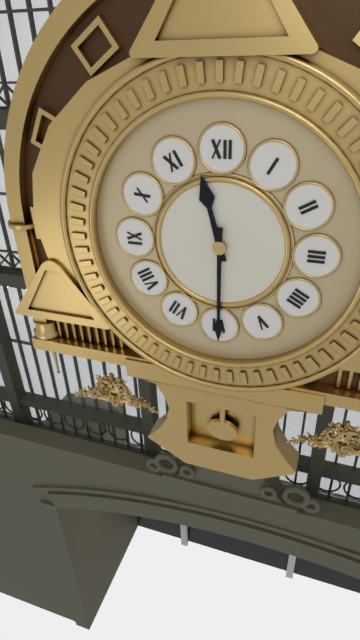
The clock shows 11.30
